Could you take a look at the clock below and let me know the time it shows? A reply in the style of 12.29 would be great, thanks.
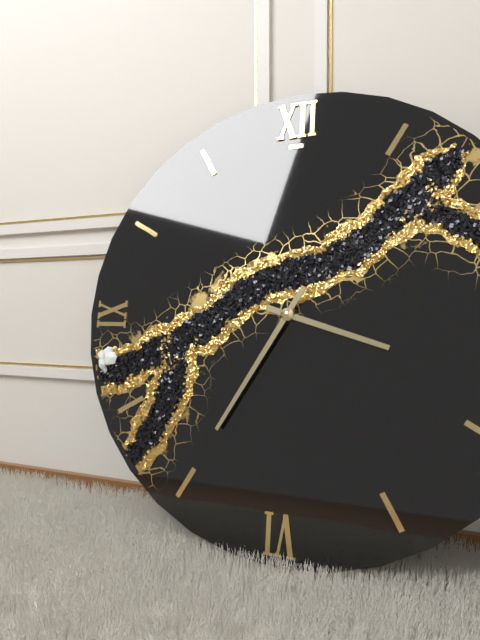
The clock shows 3.35
